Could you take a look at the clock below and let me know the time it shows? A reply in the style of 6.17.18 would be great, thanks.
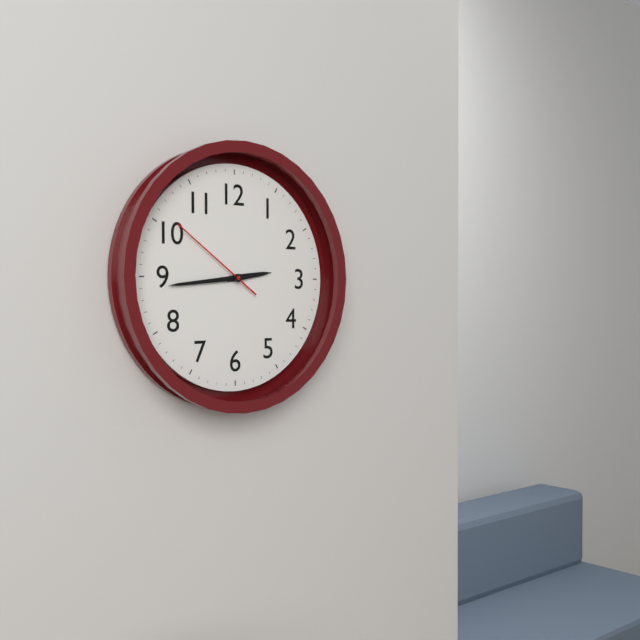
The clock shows 2.44.51
